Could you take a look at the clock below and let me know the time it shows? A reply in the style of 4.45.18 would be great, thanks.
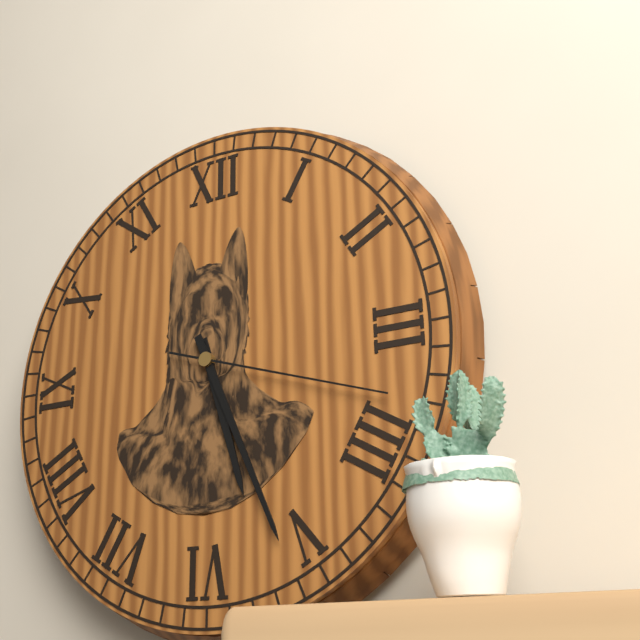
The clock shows 5.26.18
